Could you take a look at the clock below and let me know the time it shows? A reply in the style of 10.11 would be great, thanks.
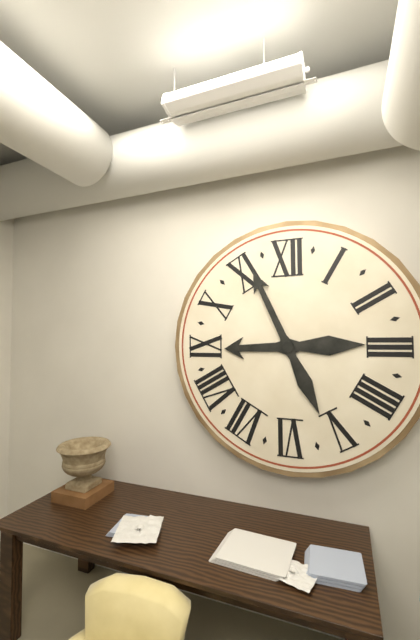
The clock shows 8.56
